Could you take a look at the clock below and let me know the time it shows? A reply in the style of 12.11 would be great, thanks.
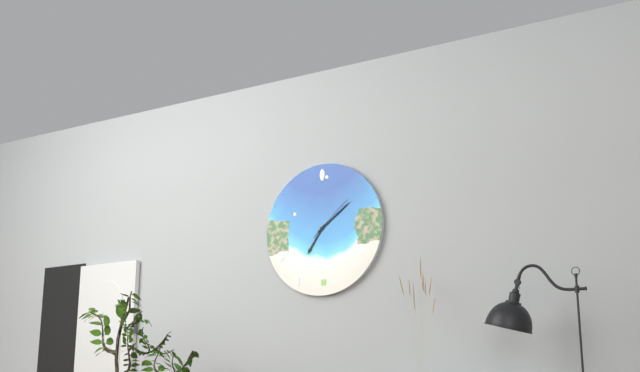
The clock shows 7.09
